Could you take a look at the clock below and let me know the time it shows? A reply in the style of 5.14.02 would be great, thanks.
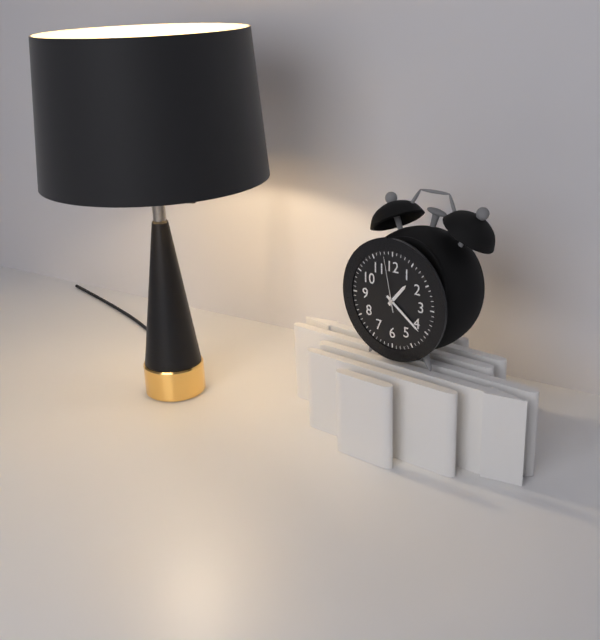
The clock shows 1.21.58
